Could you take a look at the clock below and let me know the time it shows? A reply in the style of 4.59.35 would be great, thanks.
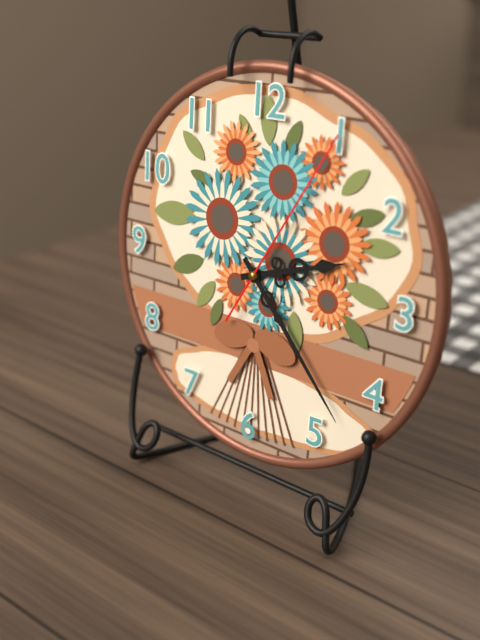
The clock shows 2.23.05
